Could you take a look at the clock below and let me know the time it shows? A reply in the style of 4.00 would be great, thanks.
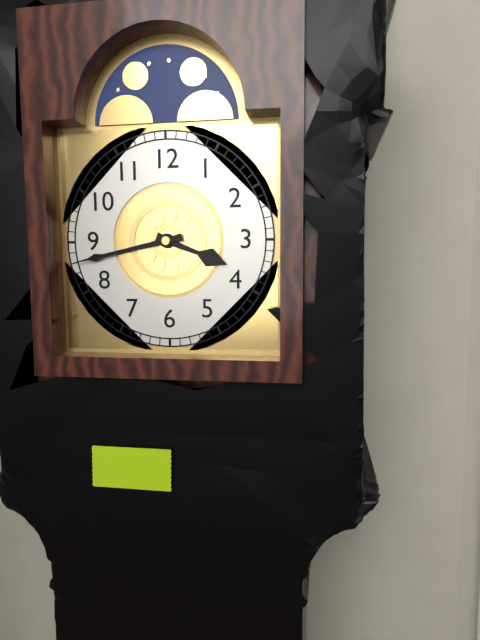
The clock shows 3.43
